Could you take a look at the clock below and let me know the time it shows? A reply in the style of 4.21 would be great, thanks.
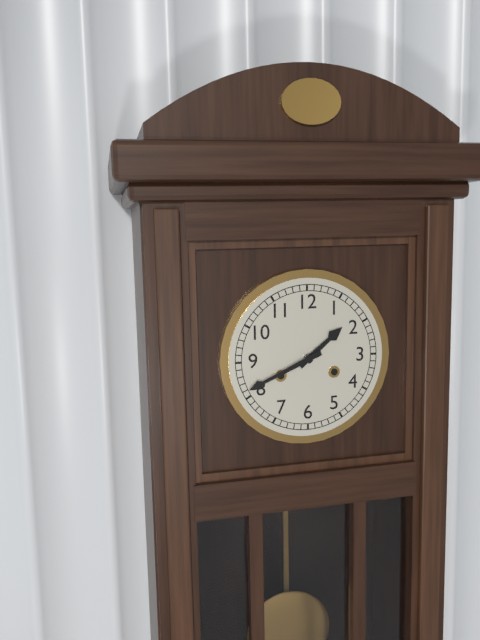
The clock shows 1.41
